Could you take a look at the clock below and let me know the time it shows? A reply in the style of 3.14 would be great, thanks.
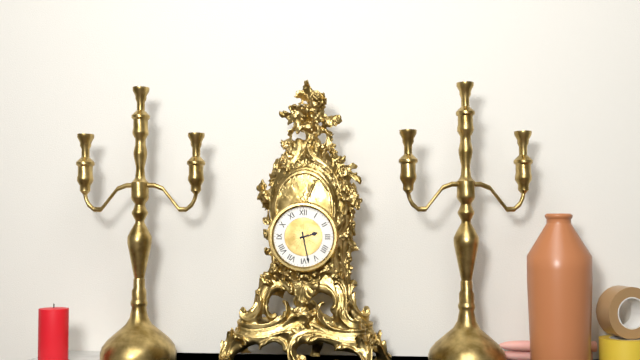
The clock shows 2.28
